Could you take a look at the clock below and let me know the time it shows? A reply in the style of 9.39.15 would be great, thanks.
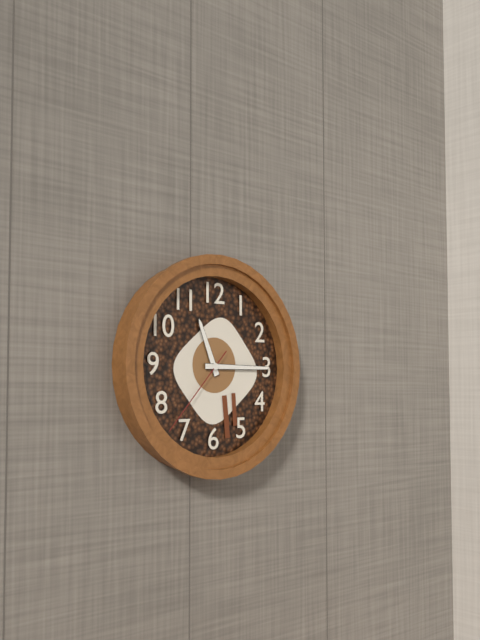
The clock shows 11.15.37
